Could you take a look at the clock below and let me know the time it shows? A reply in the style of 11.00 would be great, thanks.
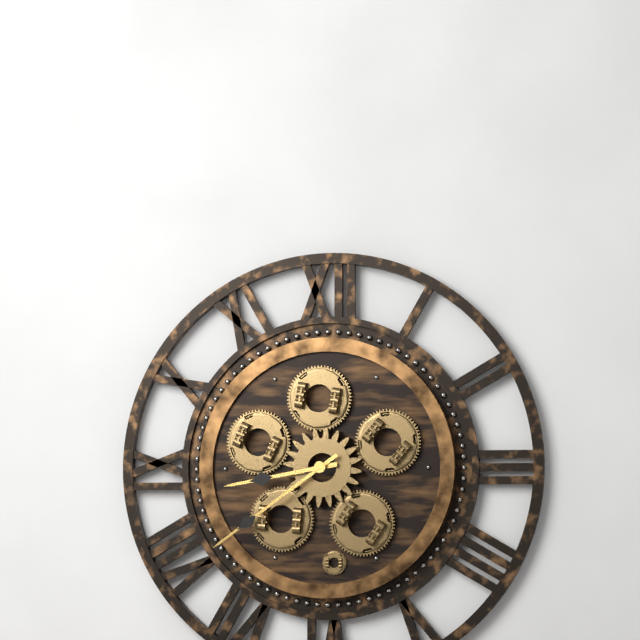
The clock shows 8.39
